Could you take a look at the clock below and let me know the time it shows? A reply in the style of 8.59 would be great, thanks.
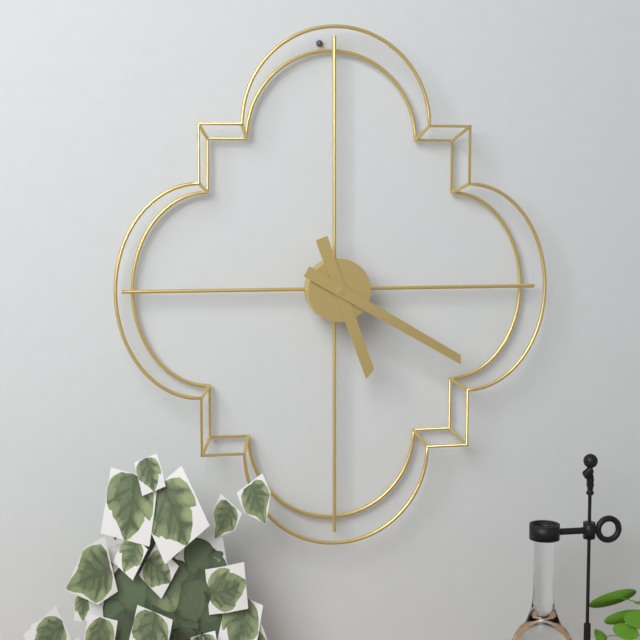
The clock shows 5.20
